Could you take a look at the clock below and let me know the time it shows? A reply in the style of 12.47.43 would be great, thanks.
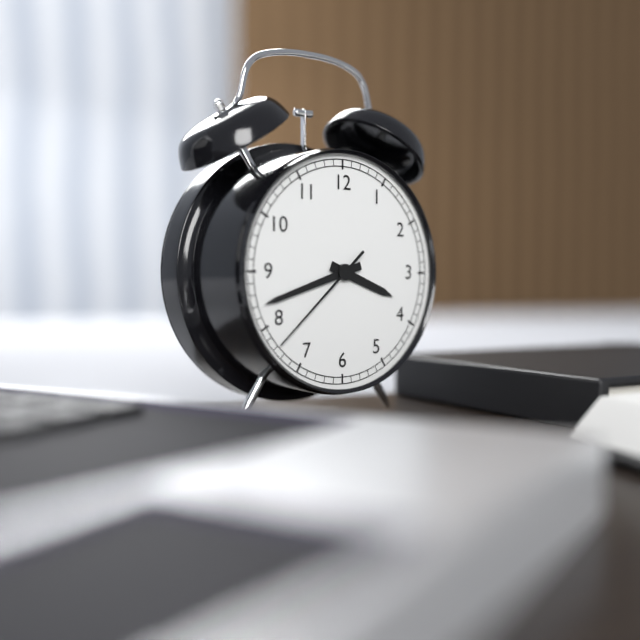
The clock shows 3.42.38
